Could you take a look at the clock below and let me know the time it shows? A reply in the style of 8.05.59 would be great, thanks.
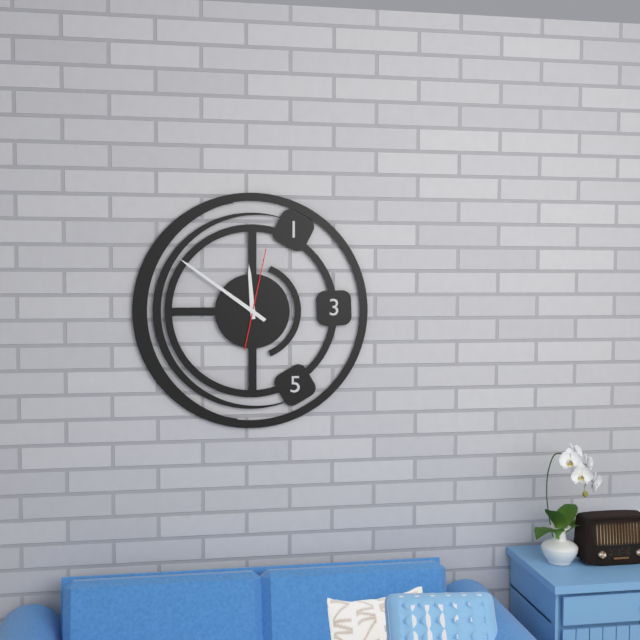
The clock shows 11.51.02
